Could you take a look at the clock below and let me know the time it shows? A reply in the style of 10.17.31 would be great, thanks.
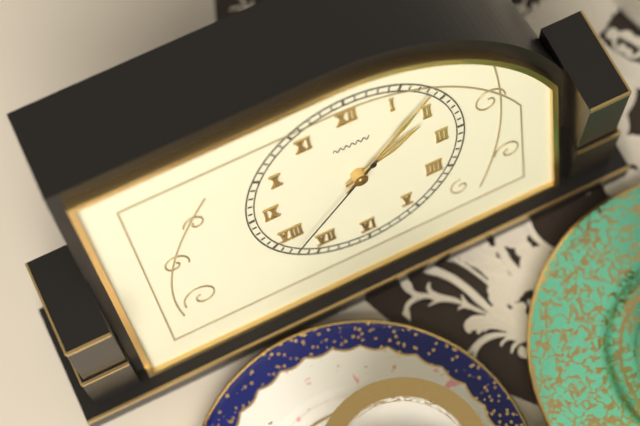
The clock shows 2.08.38
